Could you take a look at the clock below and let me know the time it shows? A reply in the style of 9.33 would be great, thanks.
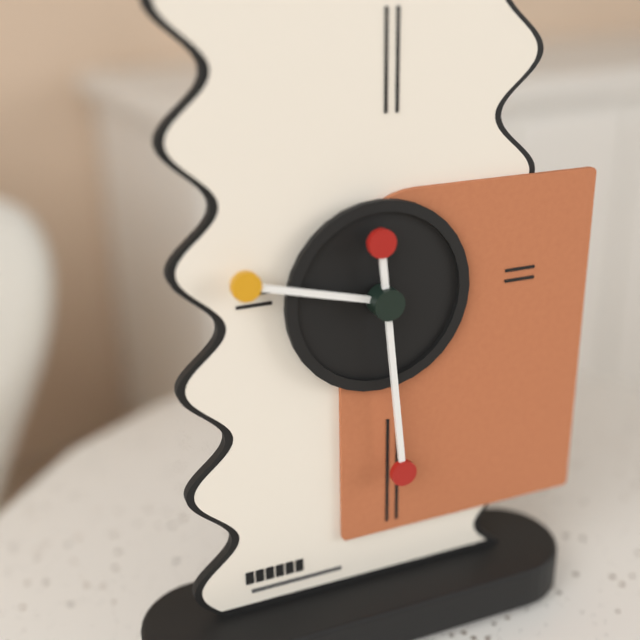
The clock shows 9.29
